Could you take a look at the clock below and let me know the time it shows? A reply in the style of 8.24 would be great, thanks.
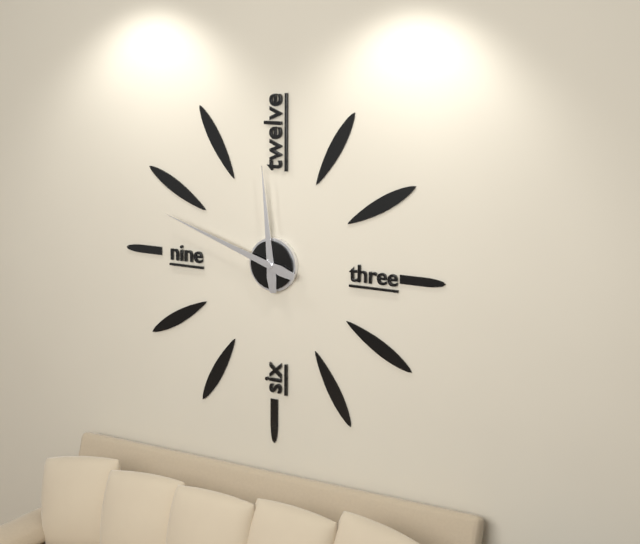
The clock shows 11.48
